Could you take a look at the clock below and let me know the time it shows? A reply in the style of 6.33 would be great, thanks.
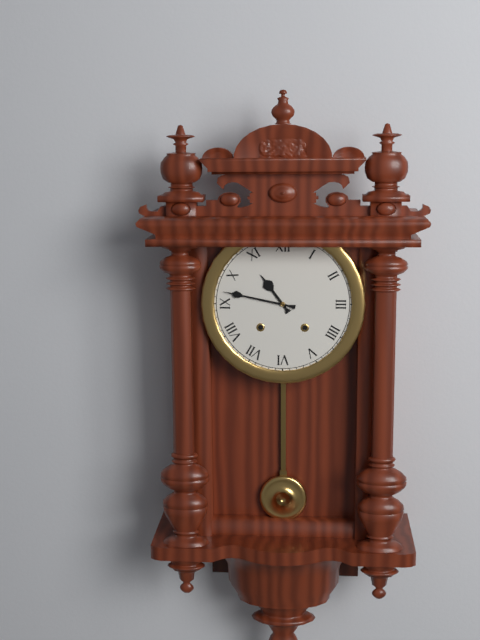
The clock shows 10.47
